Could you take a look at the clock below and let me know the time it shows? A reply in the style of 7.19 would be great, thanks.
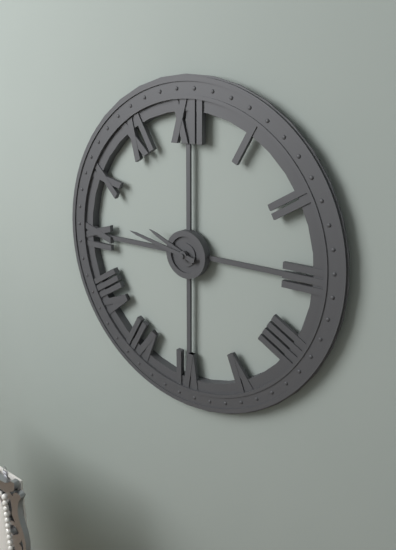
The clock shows 9.47
